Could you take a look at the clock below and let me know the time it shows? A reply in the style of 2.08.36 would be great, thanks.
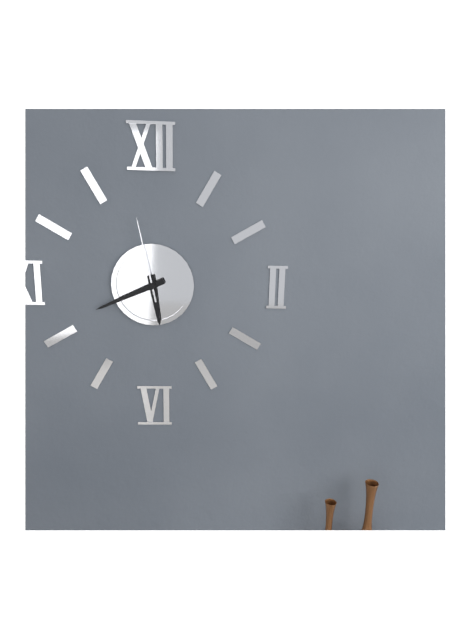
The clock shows 5.41.58
